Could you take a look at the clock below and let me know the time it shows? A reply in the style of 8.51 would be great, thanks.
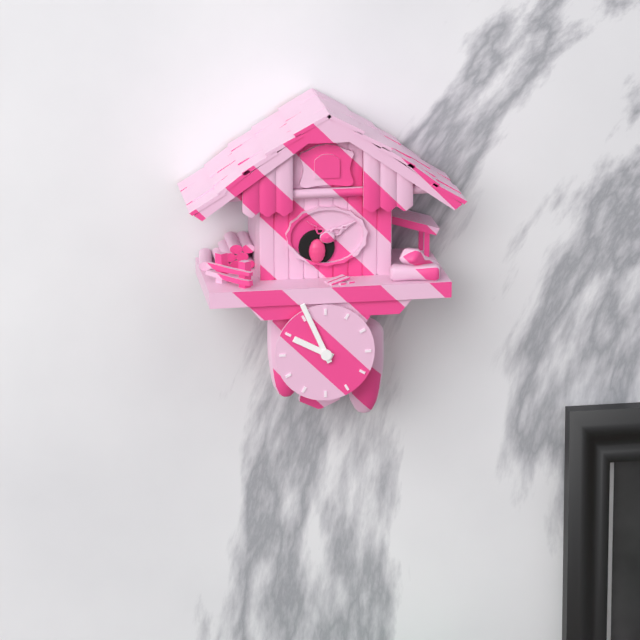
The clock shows 9.56
